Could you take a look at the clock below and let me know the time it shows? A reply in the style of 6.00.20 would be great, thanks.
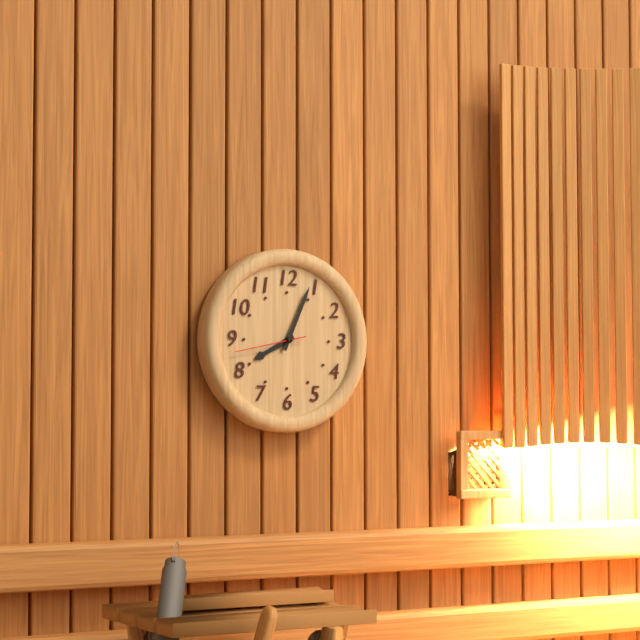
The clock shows 8.04.43
